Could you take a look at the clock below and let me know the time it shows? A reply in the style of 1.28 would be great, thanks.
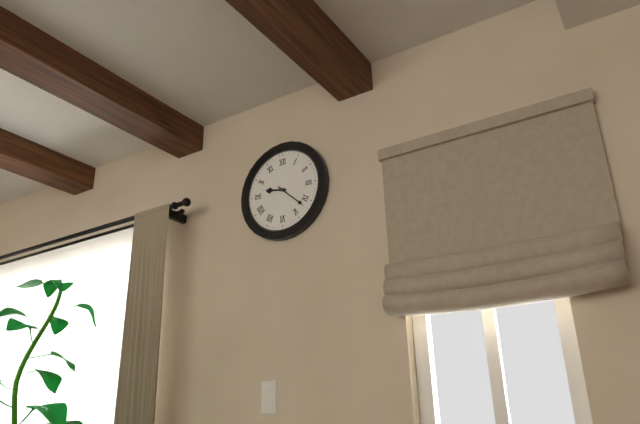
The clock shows 9.22
